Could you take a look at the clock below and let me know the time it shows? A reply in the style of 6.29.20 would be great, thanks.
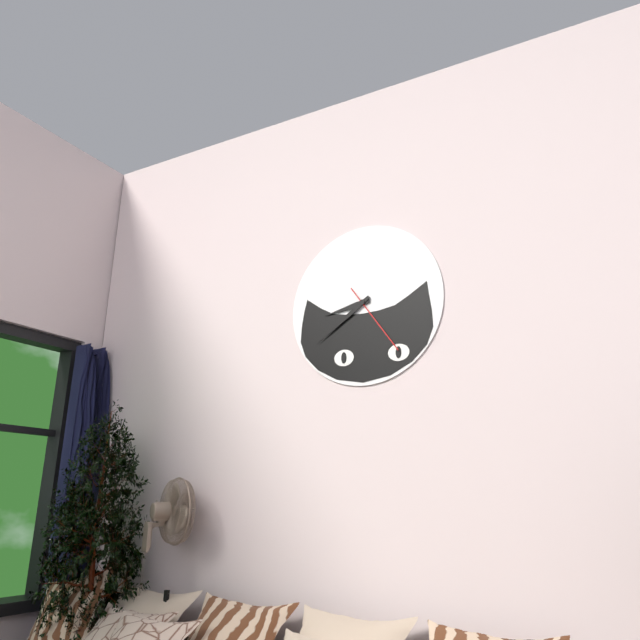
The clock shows 8.39.24
